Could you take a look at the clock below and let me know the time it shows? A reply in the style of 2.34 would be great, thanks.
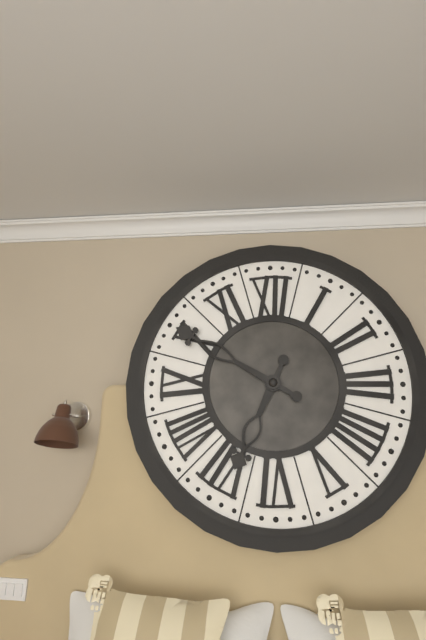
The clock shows 6.50
